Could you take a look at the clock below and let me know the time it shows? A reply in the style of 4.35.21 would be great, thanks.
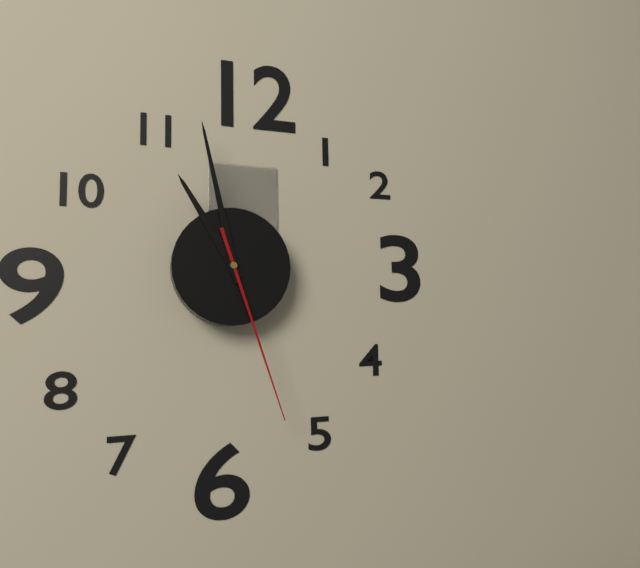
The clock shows 10.58.27
